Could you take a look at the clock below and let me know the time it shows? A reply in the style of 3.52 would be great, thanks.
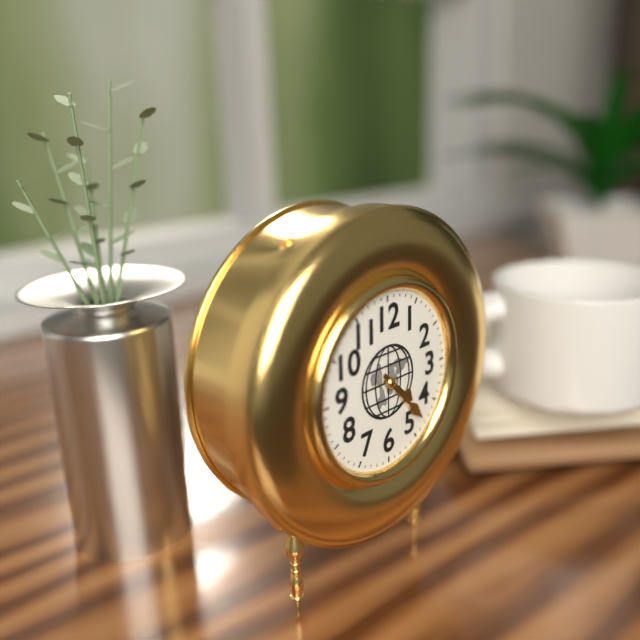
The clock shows 4.23
